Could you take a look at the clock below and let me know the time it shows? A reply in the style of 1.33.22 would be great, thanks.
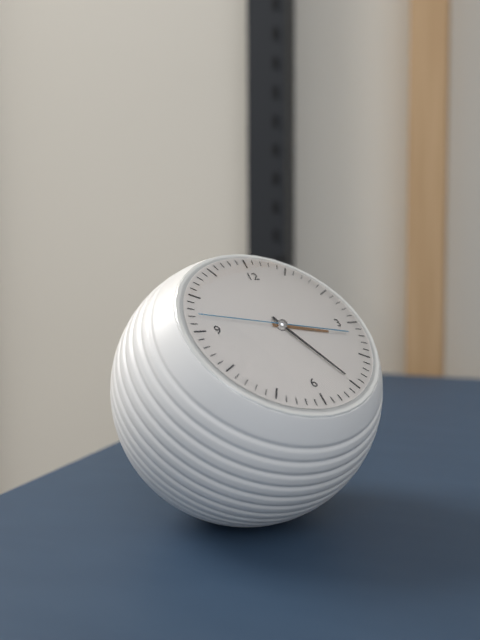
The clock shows 3.25.47
